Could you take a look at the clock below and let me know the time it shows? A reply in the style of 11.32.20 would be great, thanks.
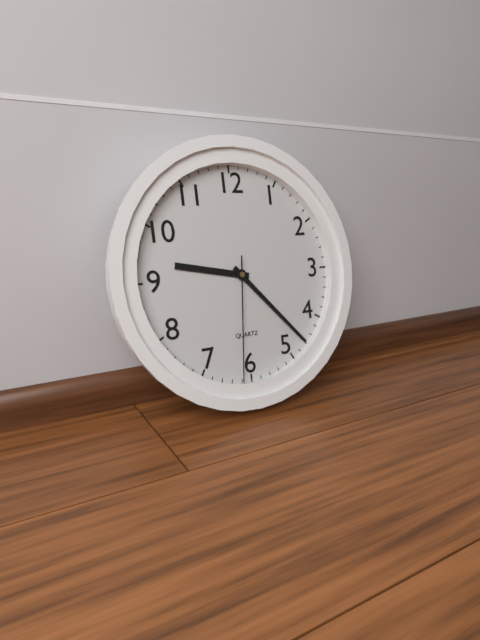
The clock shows 9.23.31
